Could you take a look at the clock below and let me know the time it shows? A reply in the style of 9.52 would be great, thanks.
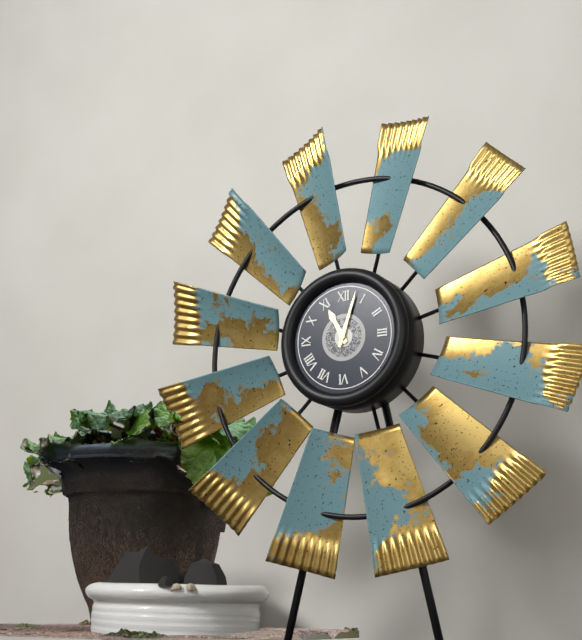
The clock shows 11.03
